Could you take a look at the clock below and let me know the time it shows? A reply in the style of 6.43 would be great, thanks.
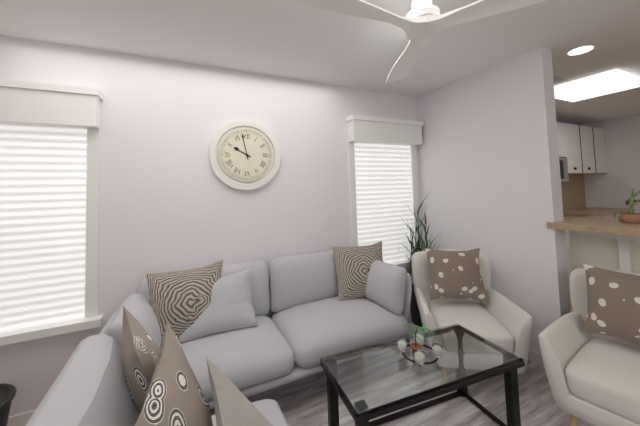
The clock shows 9.58
